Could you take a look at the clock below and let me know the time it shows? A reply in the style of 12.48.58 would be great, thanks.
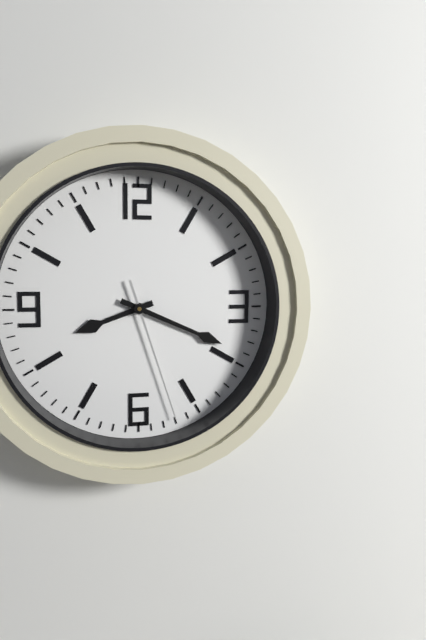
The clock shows 8.19.27
